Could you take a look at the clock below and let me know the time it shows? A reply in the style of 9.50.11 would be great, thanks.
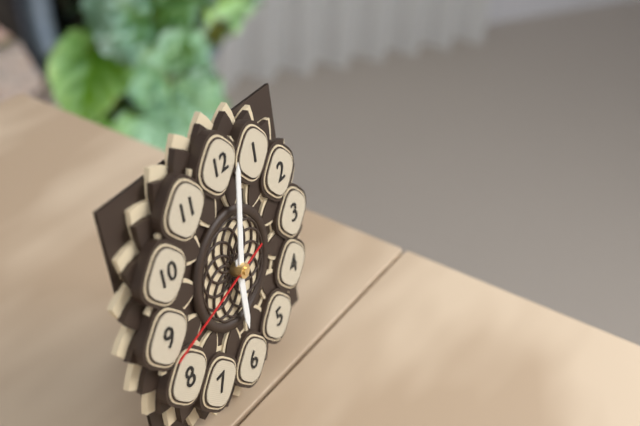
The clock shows 6.02.43
